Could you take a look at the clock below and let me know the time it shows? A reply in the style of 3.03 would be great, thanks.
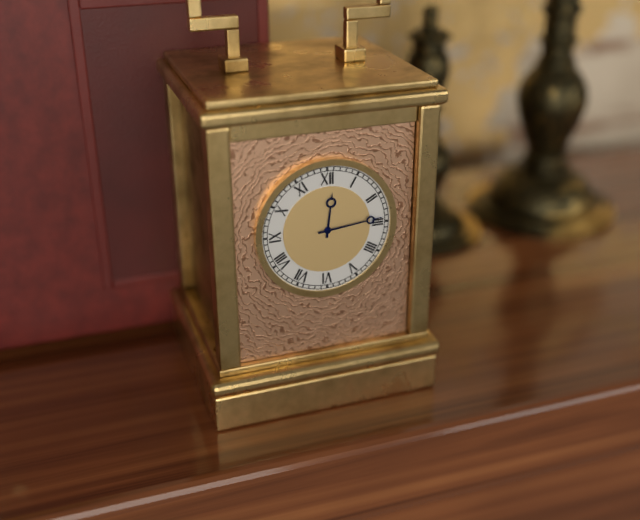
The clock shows 12.14
